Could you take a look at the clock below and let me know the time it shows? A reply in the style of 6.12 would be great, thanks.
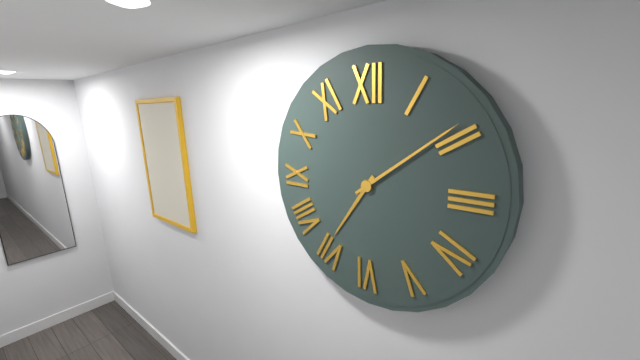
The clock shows 7.09
